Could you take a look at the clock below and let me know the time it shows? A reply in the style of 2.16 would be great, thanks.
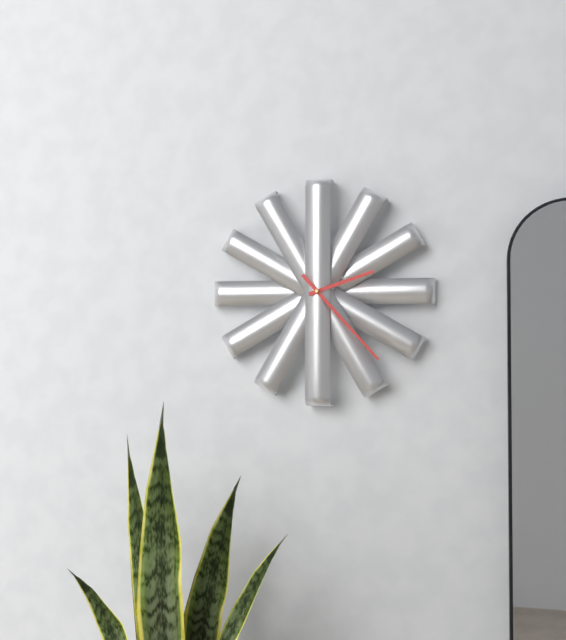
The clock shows 2.23
